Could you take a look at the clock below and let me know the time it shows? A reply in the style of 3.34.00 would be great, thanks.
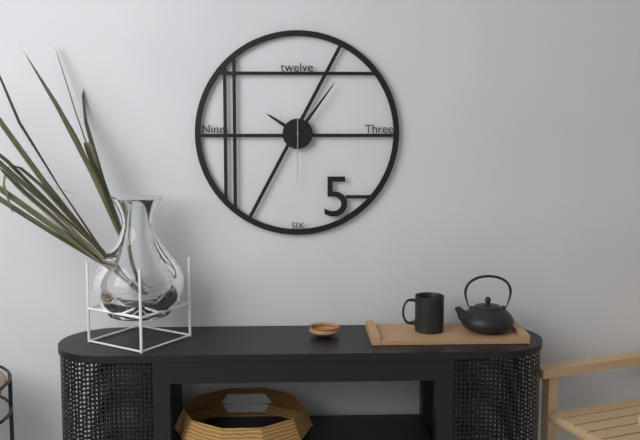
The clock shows 10.06.30
